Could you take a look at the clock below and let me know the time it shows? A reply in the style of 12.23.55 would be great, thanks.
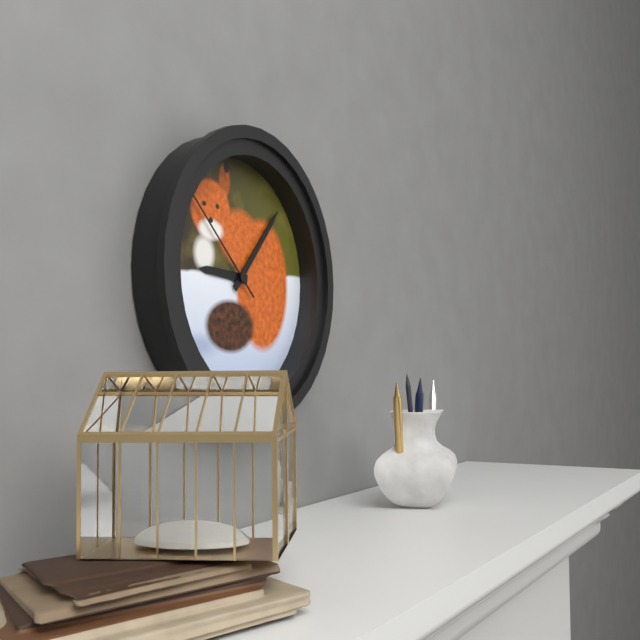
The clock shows 9.07.52
